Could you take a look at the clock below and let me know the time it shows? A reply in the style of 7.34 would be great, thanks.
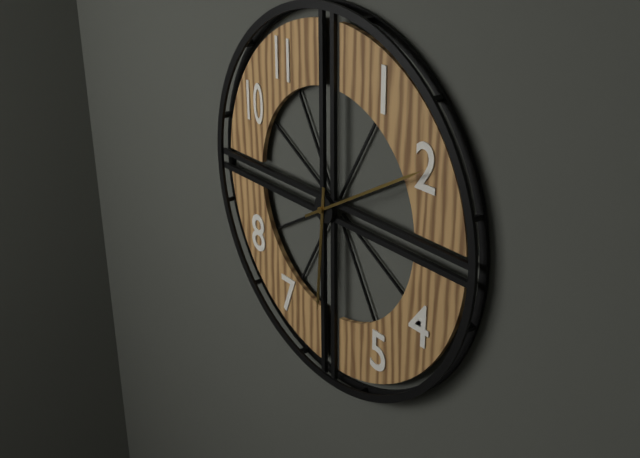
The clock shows 6.10
